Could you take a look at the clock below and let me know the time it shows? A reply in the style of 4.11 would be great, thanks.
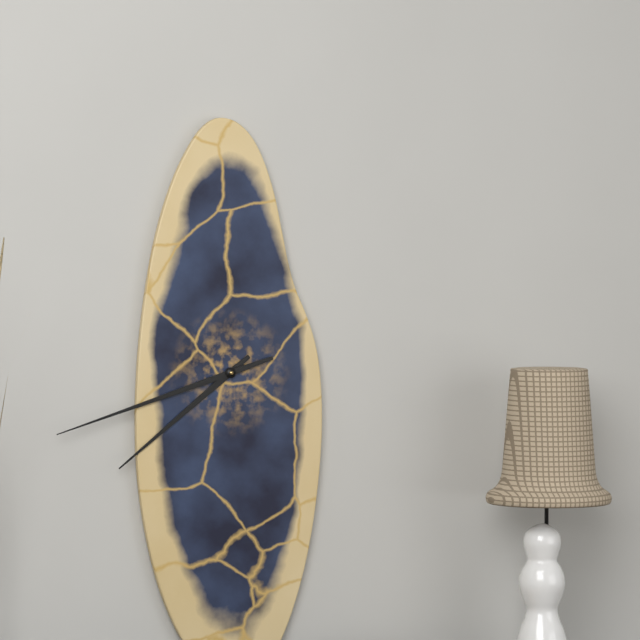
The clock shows 7.42
